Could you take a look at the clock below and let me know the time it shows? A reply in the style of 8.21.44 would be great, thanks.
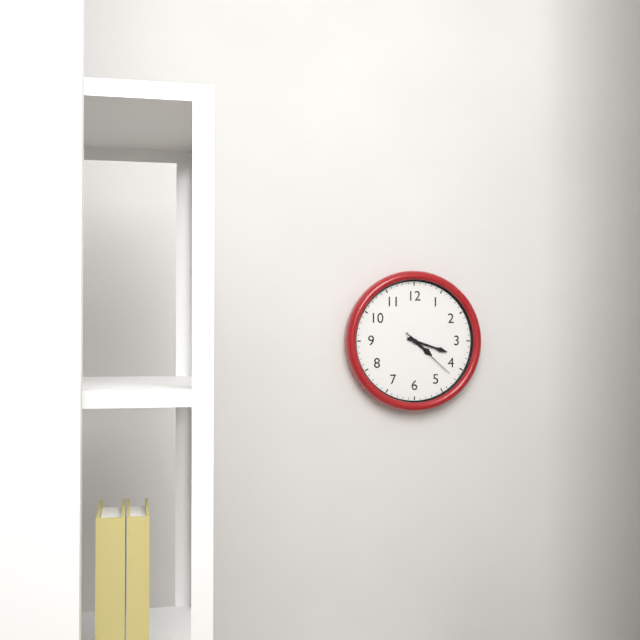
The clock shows 4.18.22
